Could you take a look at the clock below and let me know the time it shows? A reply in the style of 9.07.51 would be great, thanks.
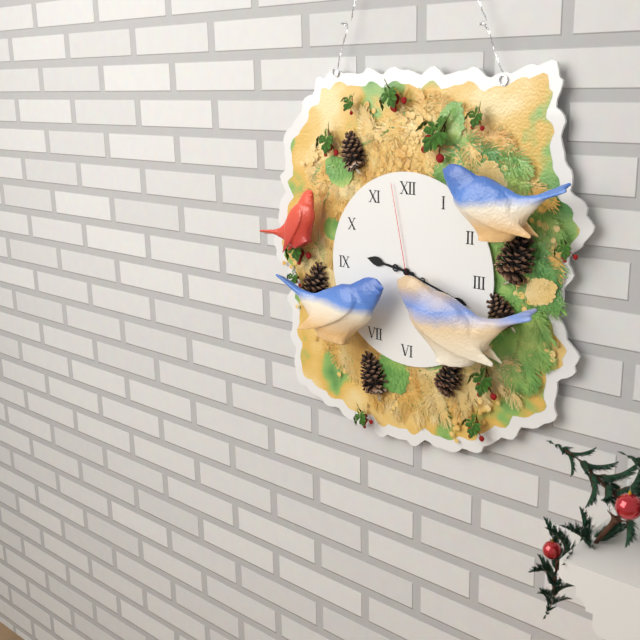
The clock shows 9.18.58
